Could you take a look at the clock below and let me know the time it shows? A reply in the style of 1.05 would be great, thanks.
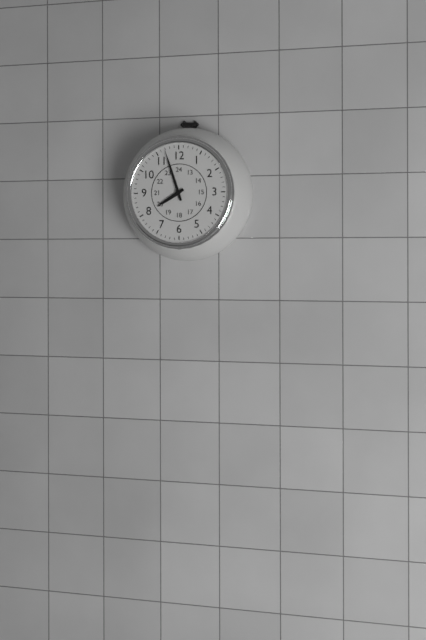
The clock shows 7.57
